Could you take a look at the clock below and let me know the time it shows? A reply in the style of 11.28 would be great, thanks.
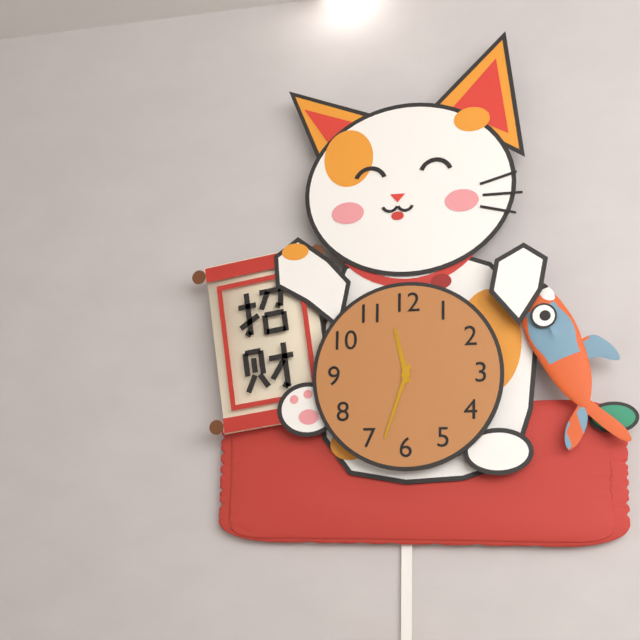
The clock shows 11.33
